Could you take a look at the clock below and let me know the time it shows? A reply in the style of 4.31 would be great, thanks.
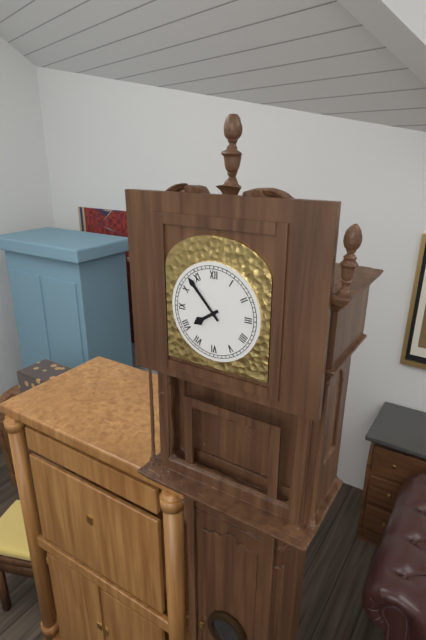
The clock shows 7.53
